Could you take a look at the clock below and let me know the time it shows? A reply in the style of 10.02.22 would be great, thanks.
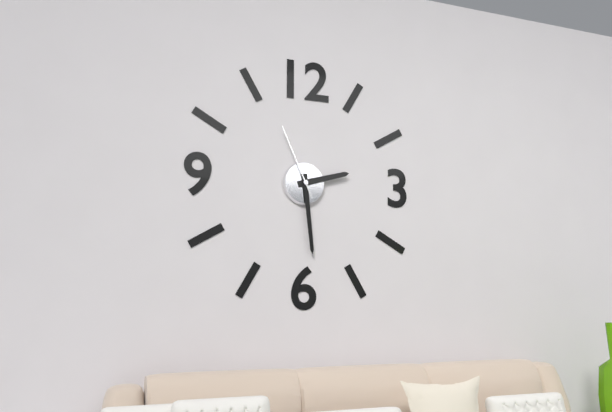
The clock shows 2.29.56
